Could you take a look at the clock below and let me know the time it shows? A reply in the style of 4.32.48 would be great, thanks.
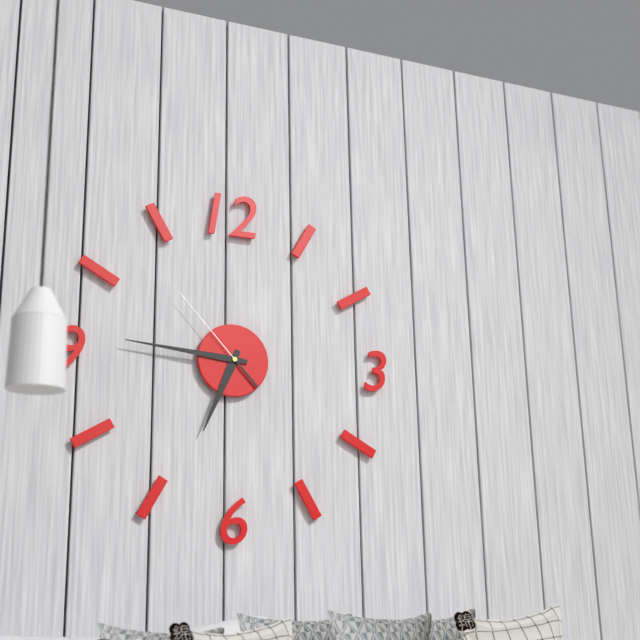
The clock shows 6.46.53
